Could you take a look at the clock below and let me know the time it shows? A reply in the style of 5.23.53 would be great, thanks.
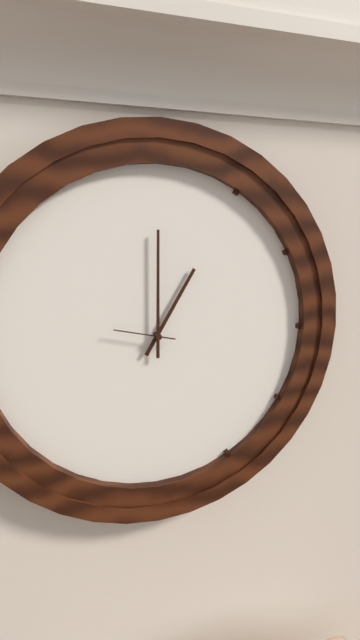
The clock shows 1.00.47
